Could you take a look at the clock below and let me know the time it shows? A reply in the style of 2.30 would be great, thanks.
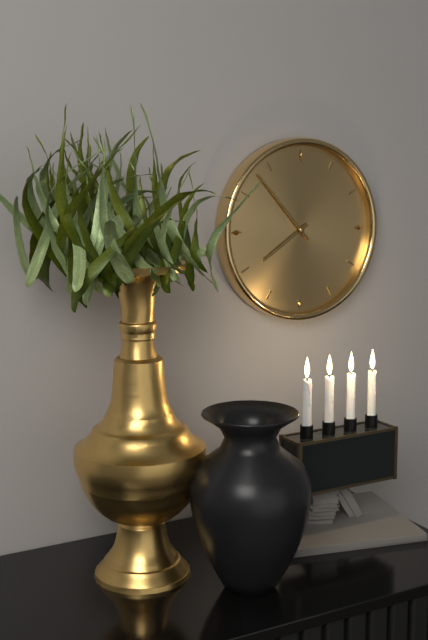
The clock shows 7.53
